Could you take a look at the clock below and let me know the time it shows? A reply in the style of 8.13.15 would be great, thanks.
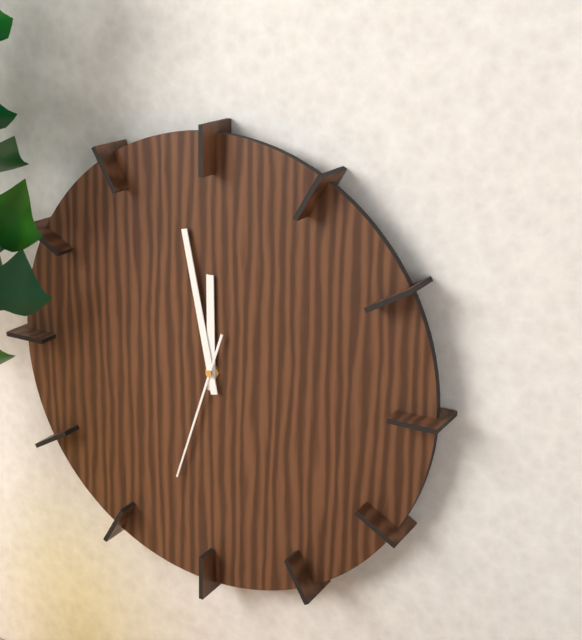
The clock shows 11.58.33
